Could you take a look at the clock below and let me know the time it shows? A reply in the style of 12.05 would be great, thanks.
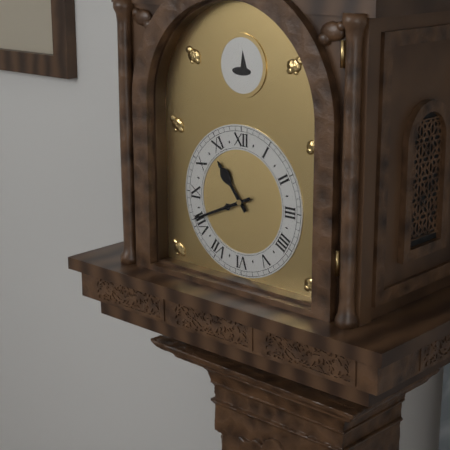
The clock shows 10.41
